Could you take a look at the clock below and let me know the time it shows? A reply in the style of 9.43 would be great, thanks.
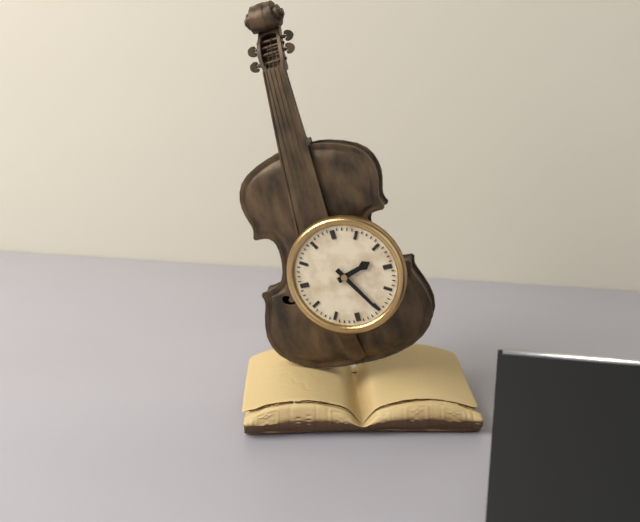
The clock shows 2.25
